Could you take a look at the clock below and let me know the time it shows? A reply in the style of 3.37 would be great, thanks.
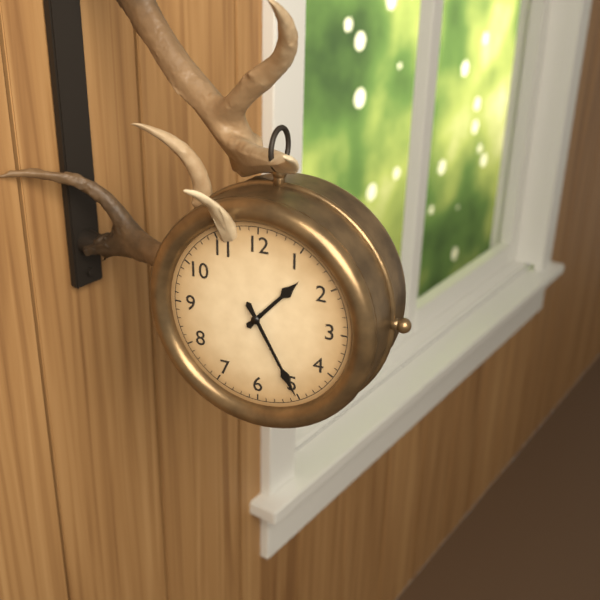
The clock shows 1.25
